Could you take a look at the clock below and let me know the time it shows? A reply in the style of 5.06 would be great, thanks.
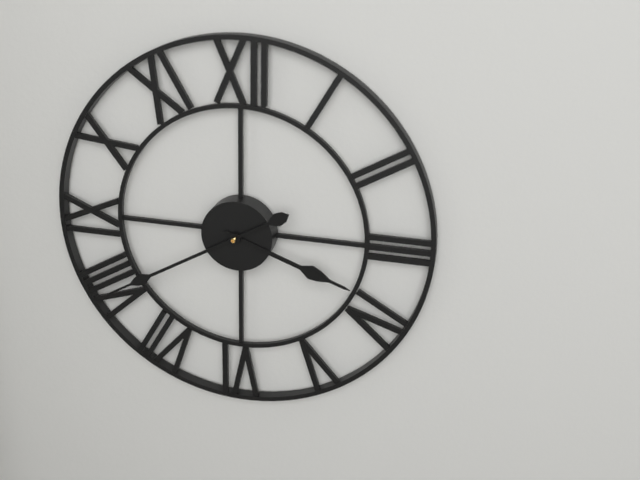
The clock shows 3.40
